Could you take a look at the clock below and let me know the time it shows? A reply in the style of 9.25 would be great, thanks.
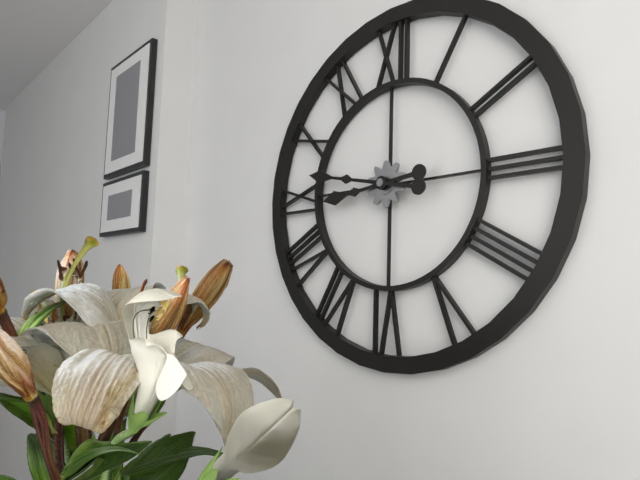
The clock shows 8.47
